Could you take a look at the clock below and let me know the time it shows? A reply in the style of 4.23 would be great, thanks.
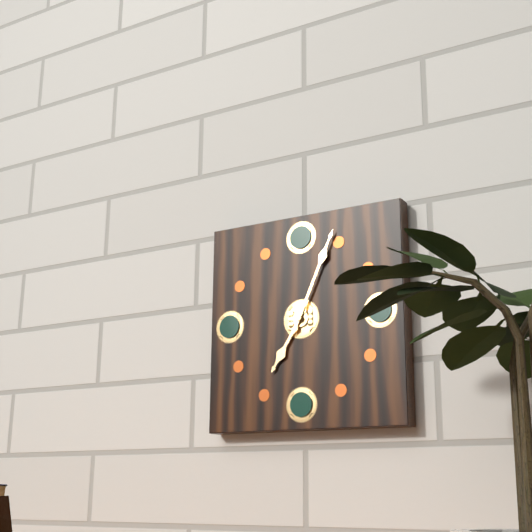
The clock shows 7.04
